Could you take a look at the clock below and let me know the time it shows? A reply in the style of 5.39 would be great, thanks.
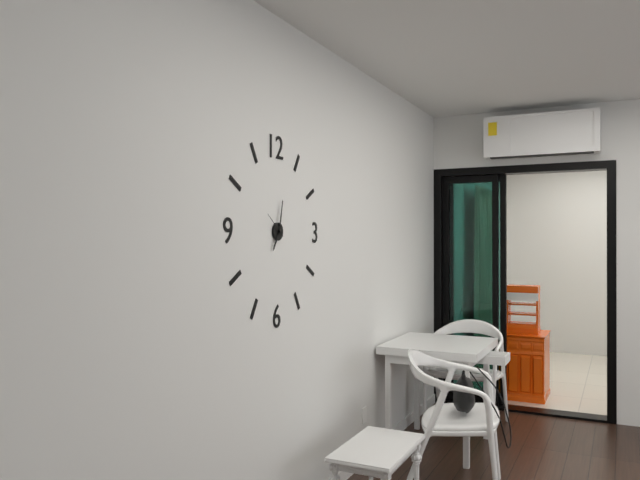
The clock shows 7.02
